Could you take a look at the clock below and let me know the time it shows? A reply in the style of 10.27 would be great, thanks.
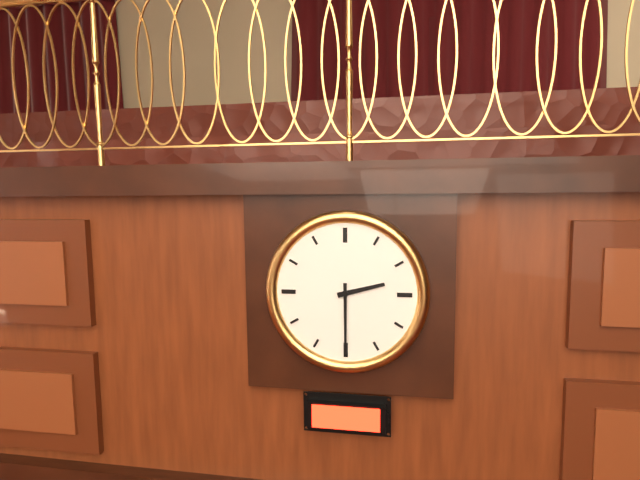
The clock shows 2.30
